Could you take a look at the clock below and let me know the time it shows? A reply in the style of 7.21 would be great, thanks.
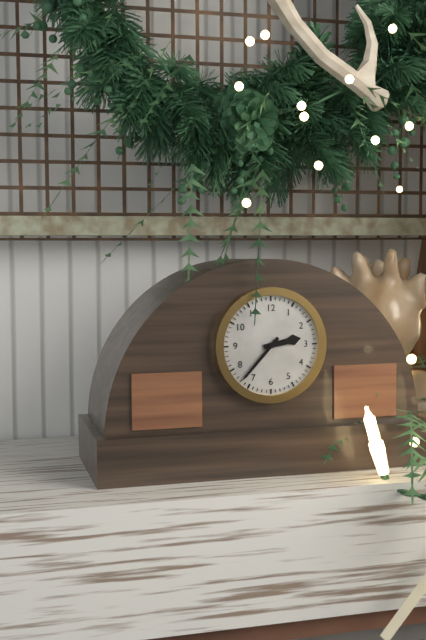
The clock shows 2.37
